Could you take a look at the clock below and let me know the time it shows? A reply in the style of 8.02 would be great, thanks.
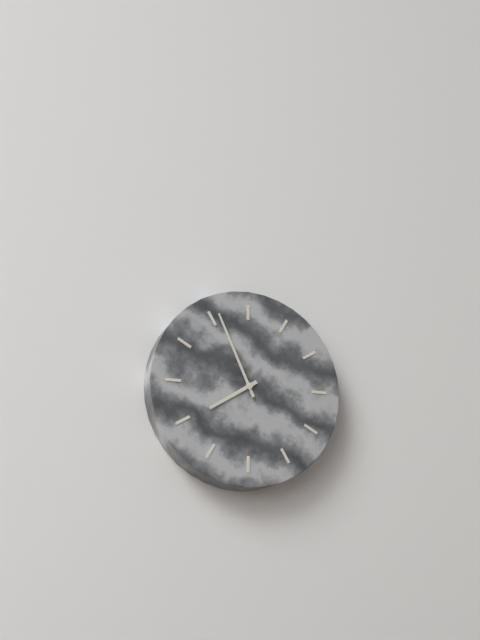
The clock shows 7.56
